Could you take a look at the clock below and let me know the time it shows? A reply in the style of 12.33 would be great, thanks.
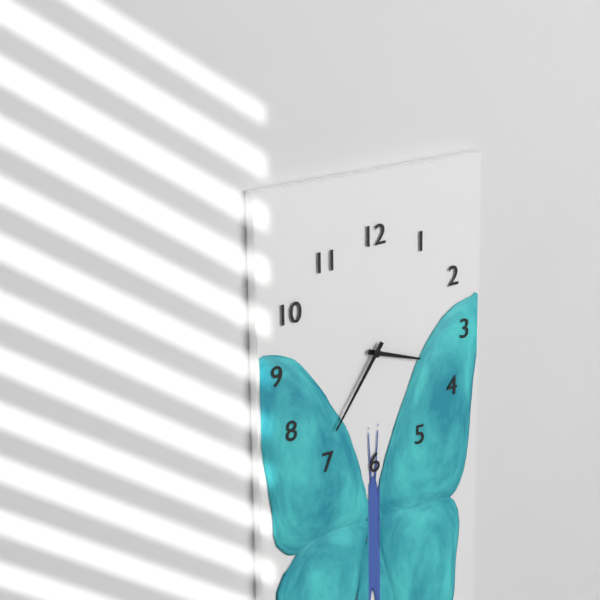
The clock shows 3.36
